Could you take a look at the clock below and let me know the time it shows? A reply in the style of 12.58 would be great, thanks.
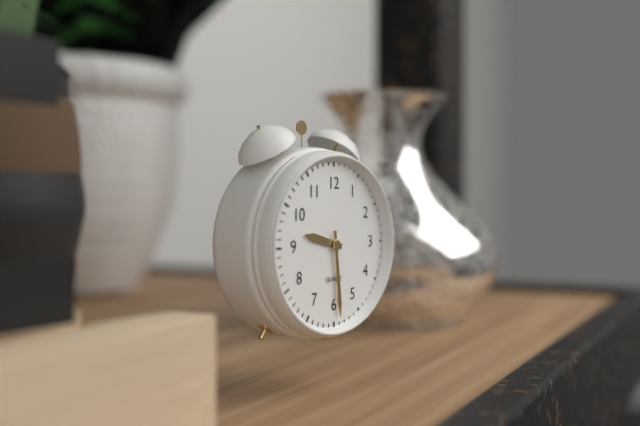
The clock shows 9.29
